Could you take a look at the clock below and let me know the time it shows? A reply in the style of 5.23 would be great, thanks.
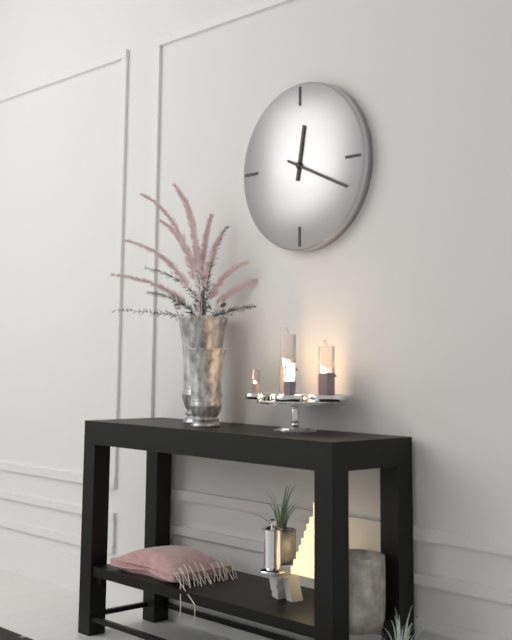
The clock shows 12.19
